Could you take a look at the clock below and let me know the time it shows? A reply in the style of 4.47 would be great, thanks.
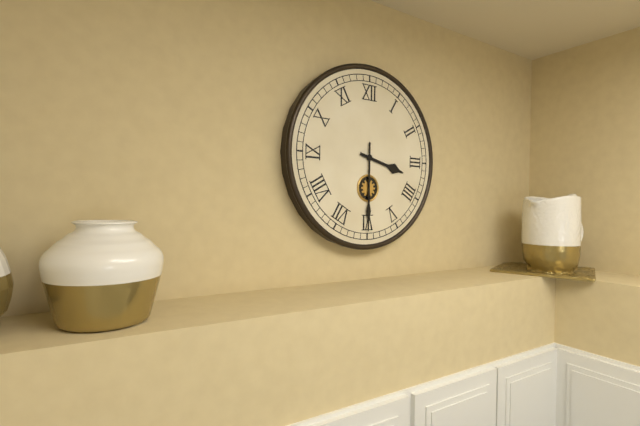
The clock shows 3.30
